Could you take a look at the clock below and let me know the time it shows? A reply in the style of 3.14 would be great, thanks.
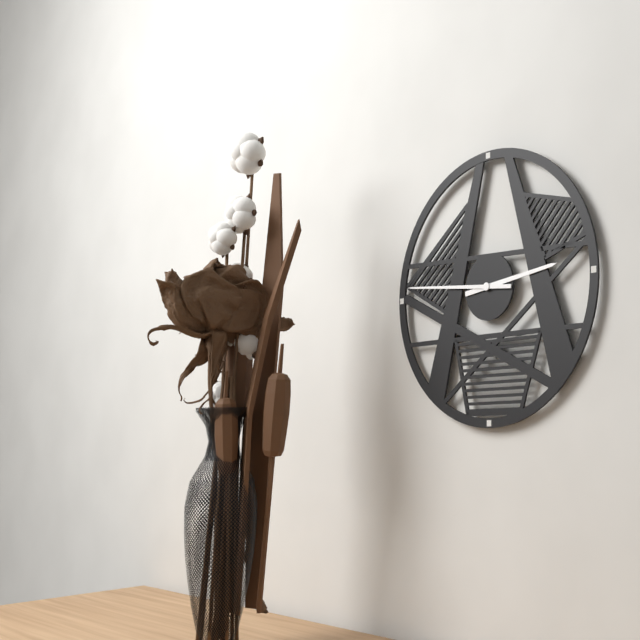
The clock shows 2.46
